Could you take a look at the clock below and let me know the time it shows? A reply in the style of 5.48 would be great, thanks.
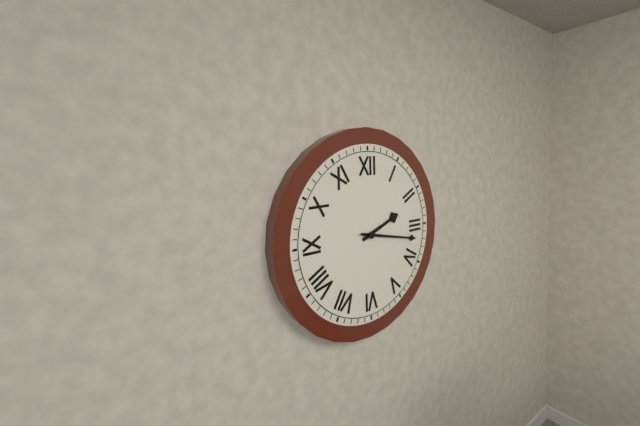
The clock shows 2.17
